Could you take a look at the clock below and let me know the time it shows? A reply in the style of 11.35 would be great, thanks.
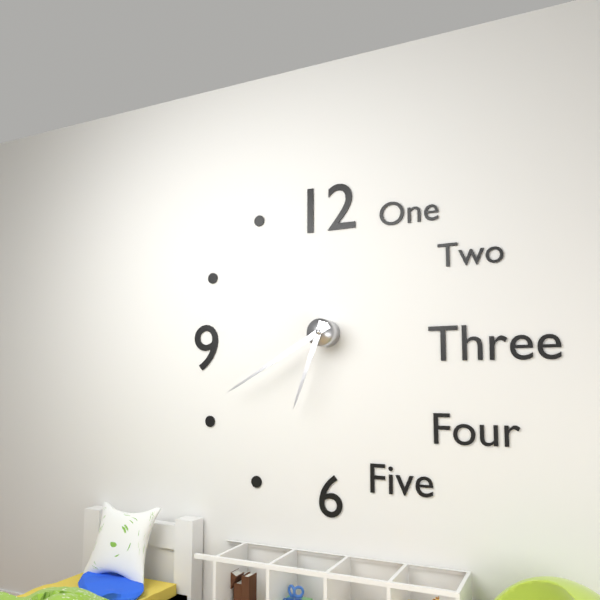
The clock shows 6.40
